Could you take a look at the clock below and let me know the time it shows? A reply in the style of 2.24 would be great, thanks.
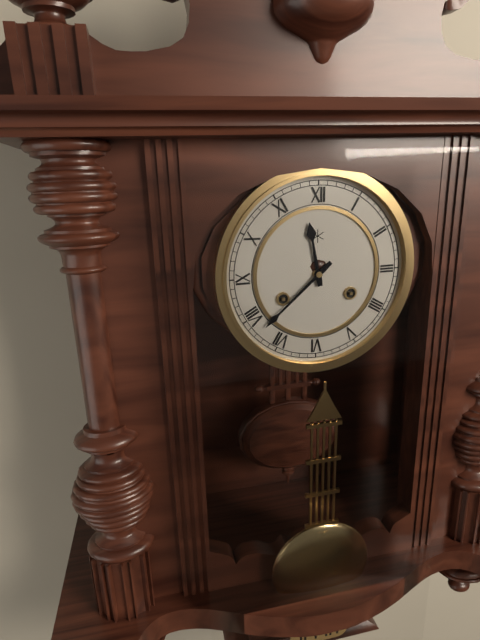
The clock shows 11.38
